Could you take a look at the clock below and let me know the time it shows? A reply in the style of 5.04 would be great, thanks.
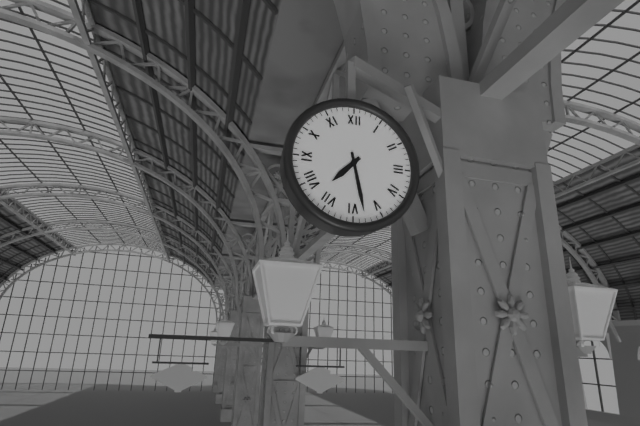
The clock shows 7.28
